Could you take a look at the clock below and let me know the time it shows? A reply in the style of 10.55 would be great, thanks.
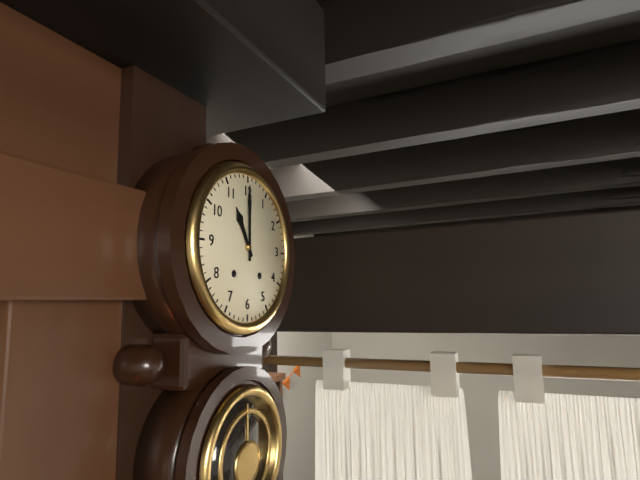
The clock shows 11.00
